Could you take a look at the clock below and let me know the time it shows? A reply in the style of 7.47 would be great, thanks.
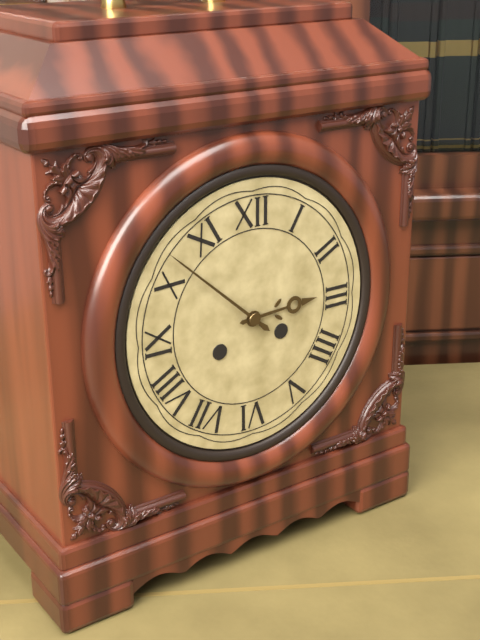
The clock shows 2.52
